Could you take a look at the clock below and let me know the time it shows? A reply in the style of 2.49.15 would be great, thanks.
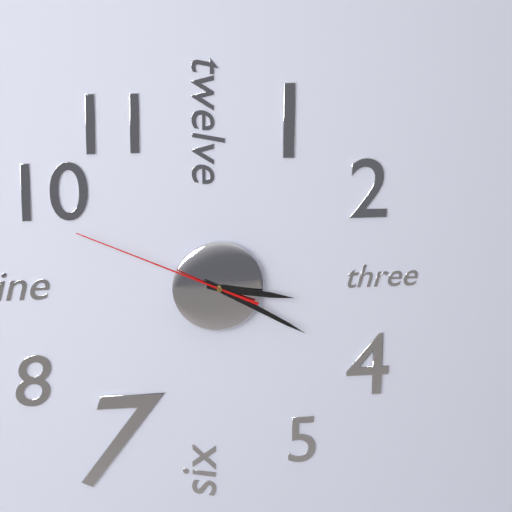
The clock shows 3.20.49
